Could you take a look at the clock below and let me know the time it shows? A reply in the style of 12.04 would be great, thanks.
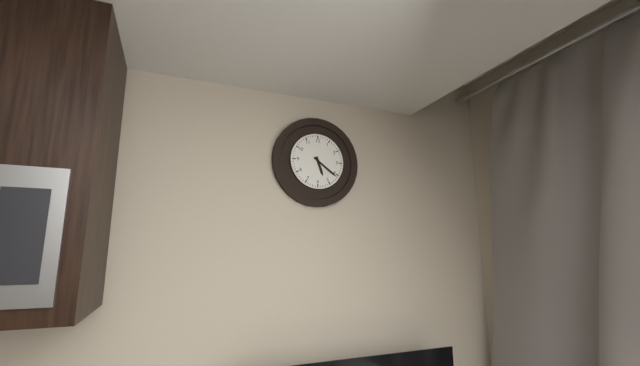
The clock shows 5.21
